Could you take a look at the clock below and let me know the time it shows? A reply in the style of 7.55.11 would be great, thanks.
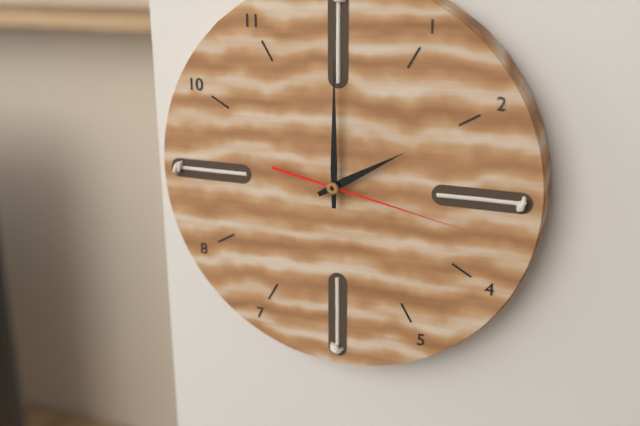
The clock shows 2.00.17
